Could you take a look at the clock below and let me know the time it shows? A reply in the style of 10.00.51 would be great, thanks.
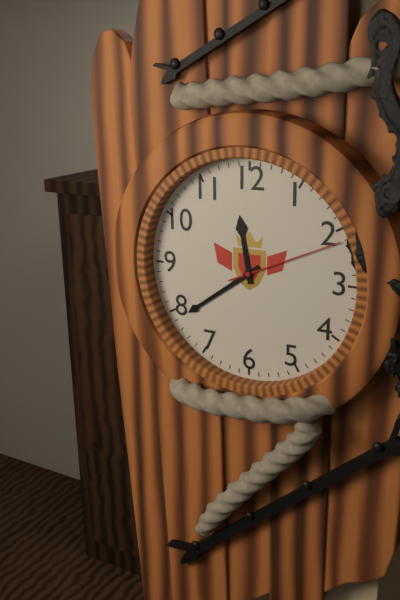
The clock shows 11.39.11
